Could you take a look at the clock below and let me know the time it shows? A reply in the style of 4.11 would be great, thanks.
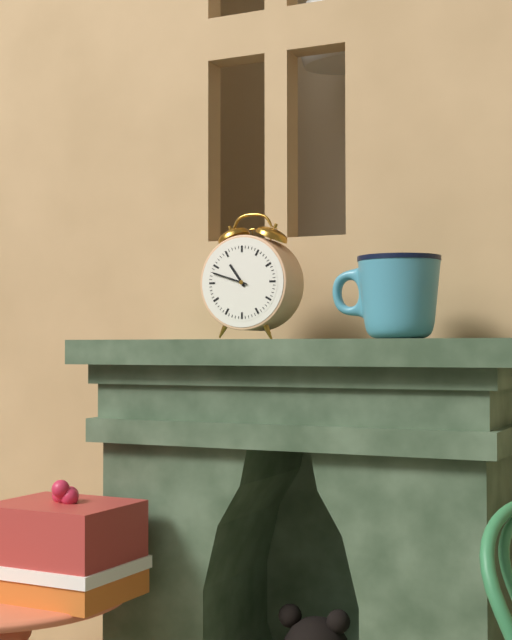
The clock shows 10.48
